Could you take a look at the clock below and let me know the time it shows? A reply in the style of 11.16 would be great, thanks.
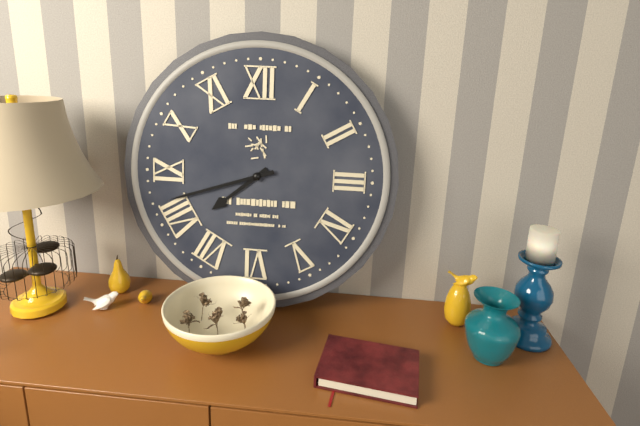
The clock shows 7.42
